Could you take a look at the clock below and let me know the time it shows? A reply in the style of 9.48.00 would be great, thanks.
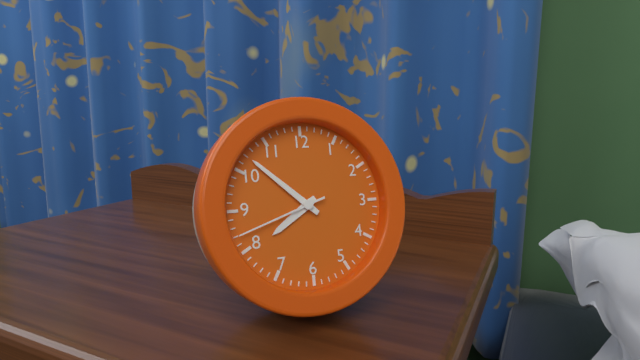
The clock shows 7.52.42
